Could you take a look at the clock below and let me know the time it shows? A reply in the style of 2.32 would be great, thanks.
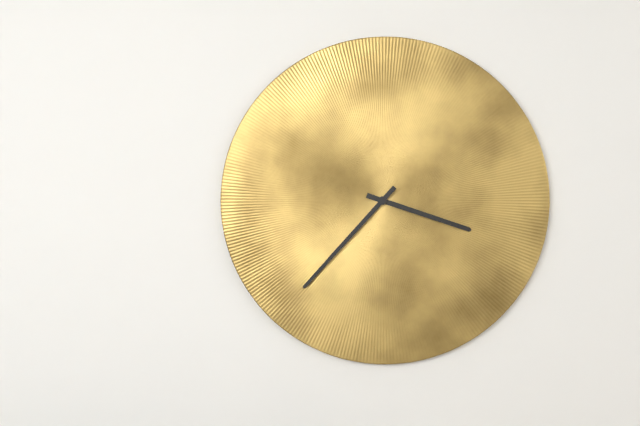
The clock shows 3.37
